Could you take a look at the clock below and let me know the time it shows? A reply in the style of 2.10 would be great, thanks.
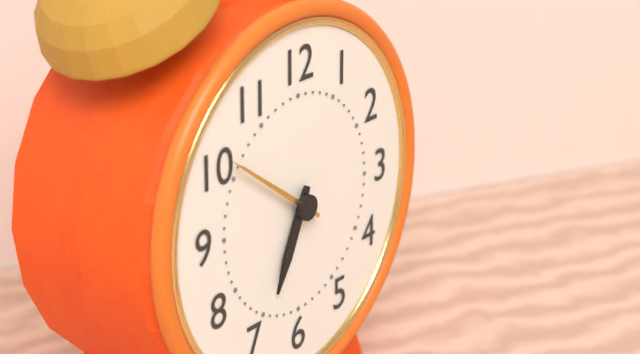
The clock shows 6.51
